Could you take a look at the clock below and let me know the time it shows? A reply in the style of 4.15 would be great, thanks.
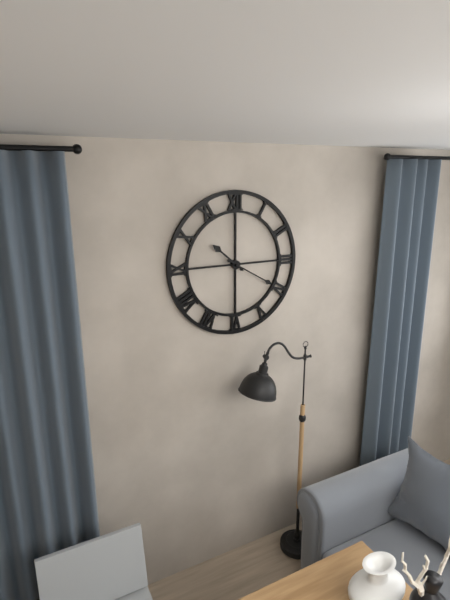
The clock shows 10.20
